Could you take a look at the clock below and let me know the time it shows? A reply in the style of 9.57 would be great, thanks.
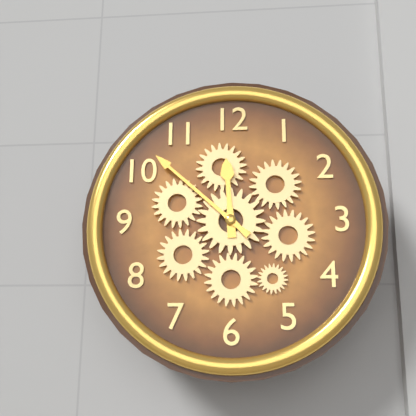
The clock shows 11.52
